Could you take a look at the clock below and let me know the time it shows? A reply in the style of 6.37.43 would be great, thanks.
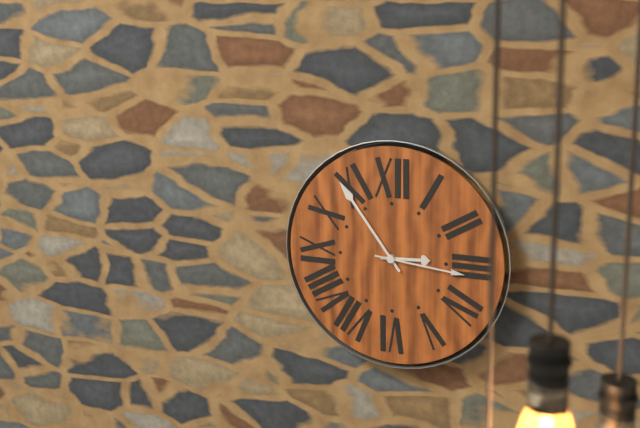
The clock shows 2.54.16
